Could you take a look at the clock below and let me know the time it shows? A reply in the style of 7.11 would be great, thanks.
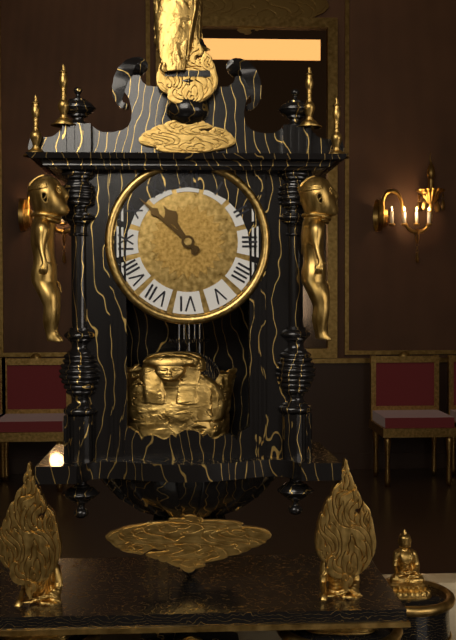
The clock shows 10.52
